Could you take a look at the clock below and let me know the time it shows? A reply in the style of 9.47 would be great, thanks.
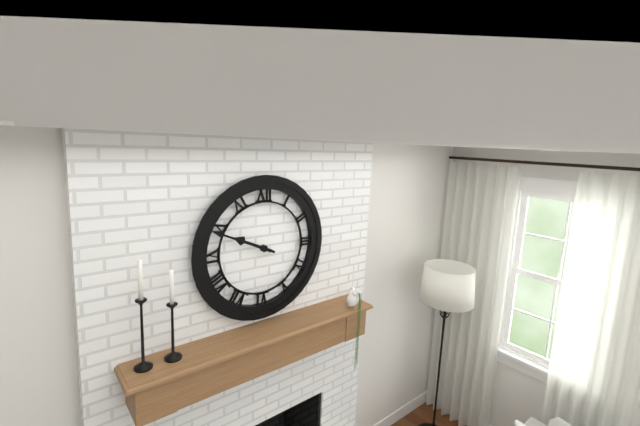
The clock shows 9.49
